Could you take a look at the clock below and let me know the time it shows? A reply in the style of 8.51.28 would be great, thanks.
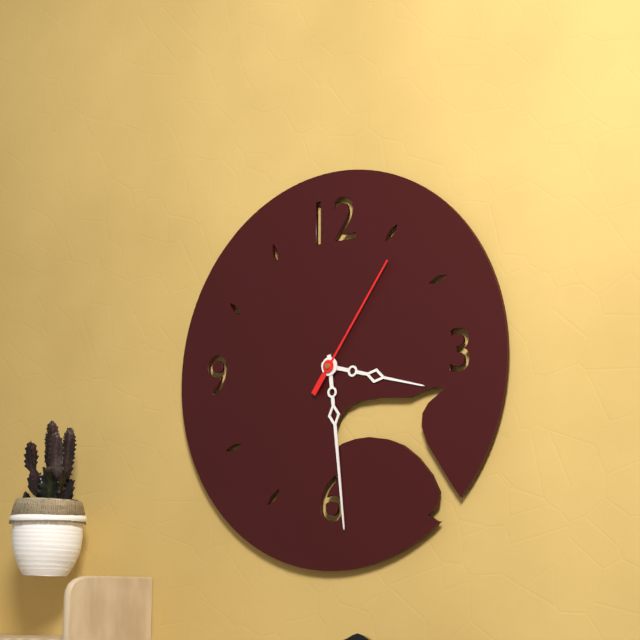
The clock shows 3.29.06
